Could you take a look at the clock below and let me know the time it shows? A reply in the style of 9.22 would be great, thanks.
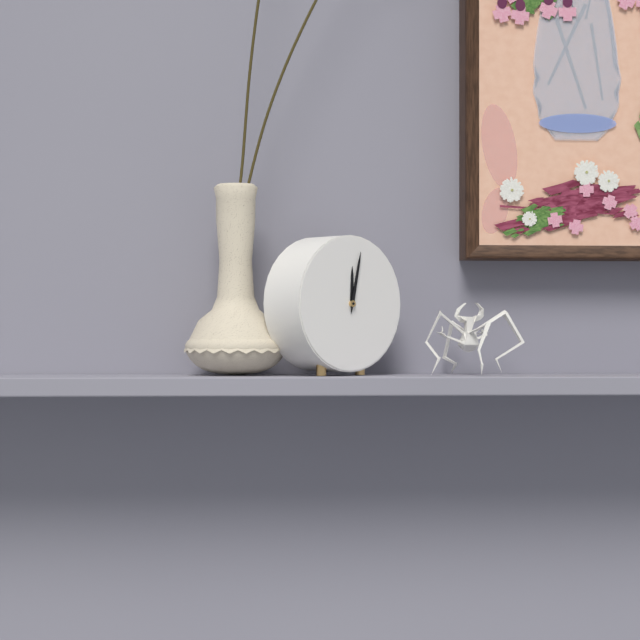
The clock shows 12.02
